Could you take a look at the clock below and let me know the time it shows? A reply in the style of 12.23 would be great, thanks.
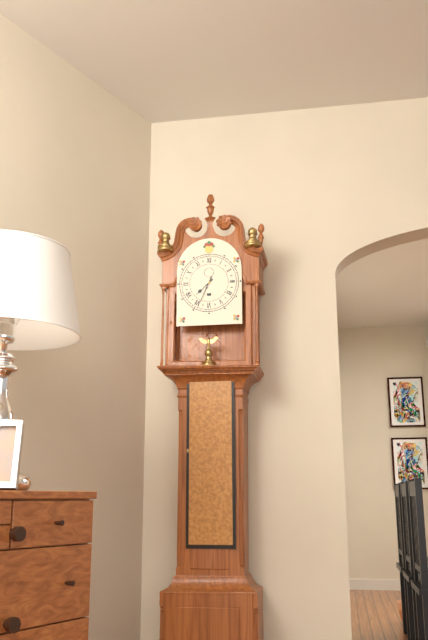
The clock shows 7.34
